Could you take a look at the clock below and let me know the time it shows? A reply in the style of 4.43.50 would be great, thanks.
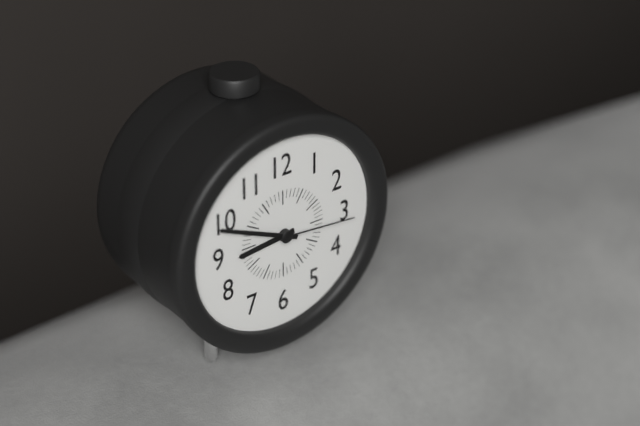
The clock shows 8.49.16
